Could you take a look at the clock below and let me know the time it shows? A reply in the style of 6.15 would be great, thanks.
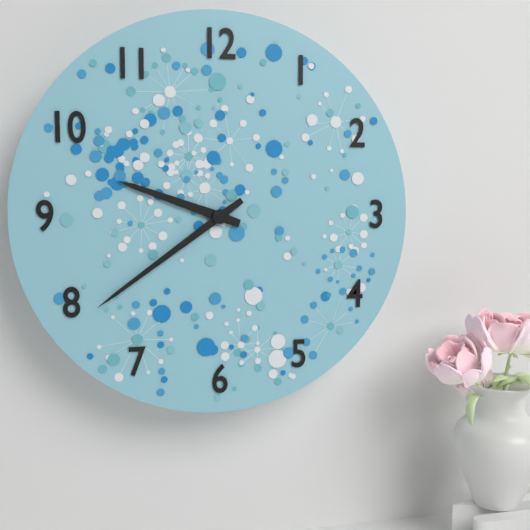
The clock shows 9.39
